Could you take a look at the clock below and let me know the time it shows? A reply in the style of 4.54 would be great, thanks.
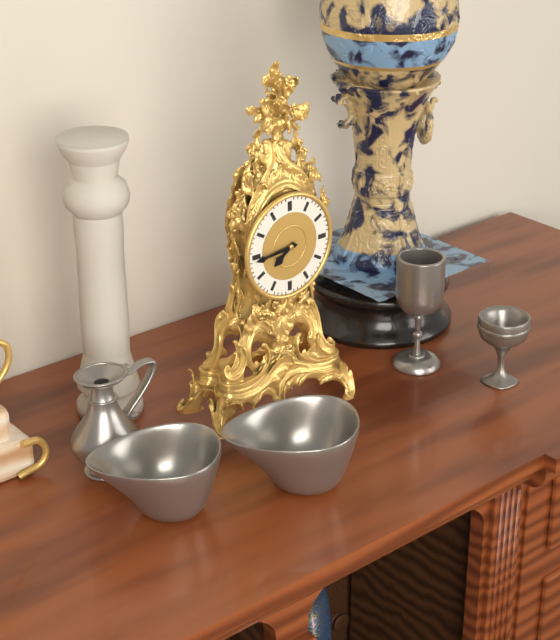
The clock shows 7.44
